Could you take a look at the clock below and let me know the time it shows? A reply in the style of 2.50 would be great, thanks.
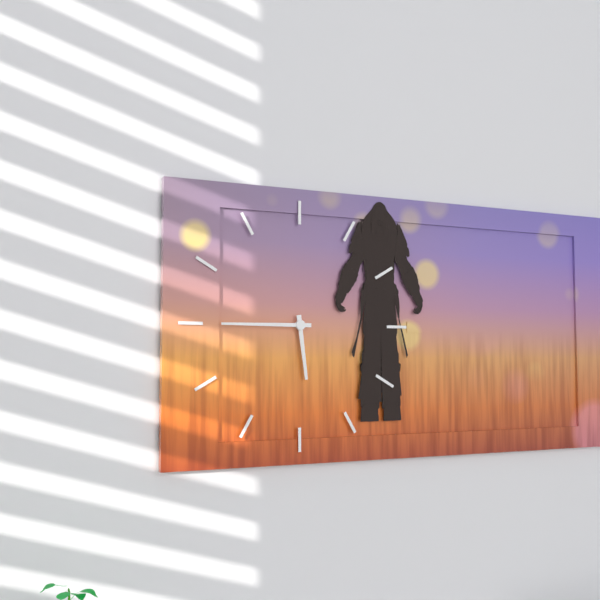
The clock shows 5.45
